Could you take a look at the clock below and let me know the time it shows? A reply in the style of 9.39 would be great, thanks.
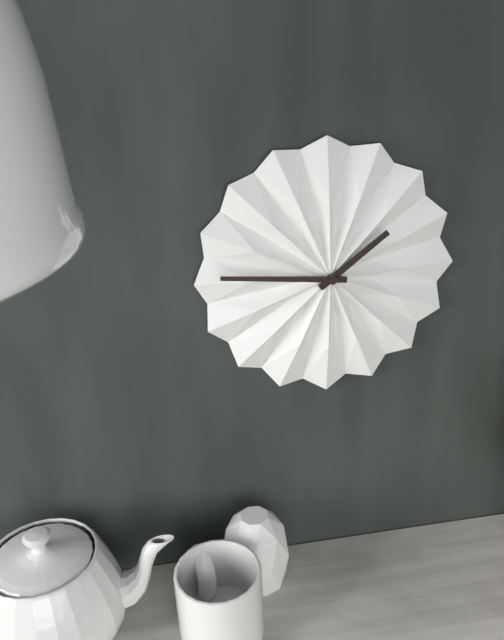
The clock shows 1.46
